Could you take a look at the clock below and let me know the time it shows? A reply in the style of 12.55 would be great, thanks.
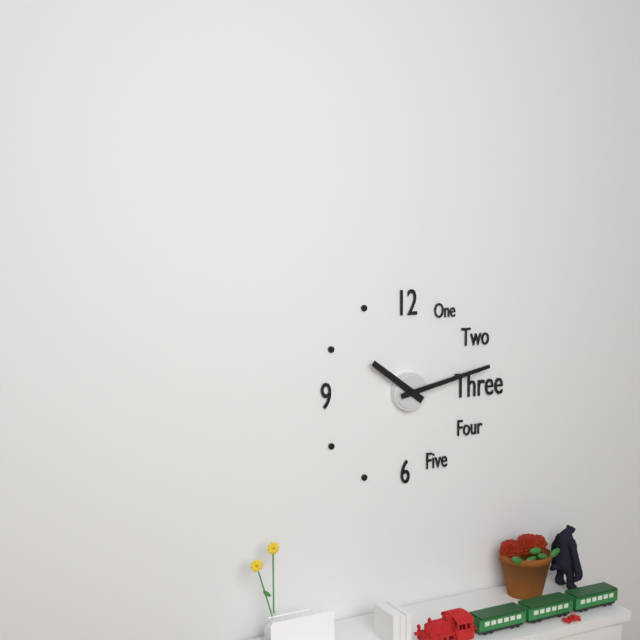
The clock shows 10.13
